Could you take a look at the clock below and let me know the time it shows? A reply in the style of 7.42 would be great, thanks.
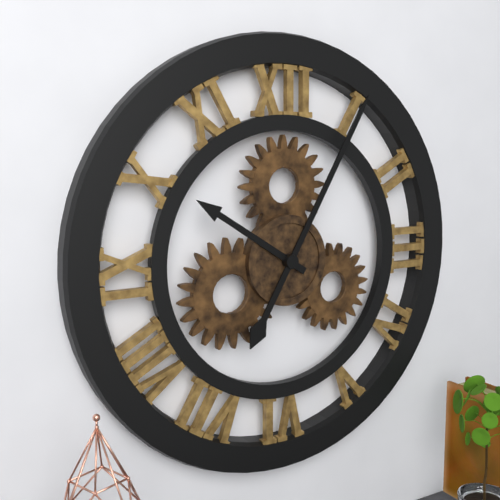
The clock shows 10.05
